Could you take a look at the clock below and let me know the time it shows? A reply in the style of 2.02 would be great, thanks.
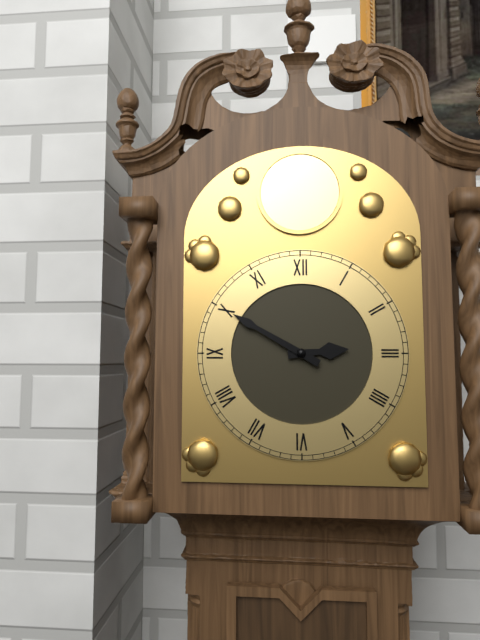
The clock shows 2.50
